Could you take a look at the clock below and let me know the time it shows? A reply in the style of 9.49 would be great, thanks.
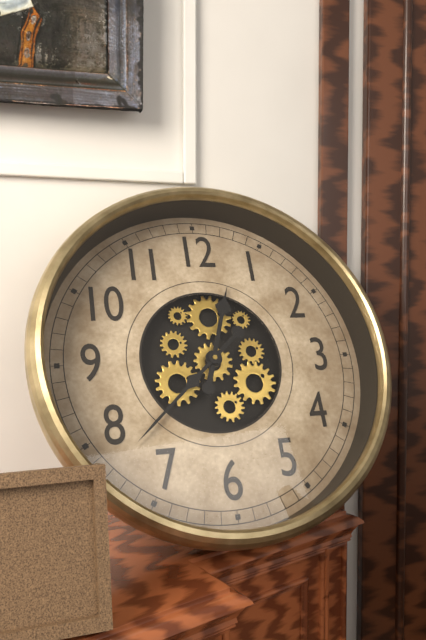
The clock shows 12.38
